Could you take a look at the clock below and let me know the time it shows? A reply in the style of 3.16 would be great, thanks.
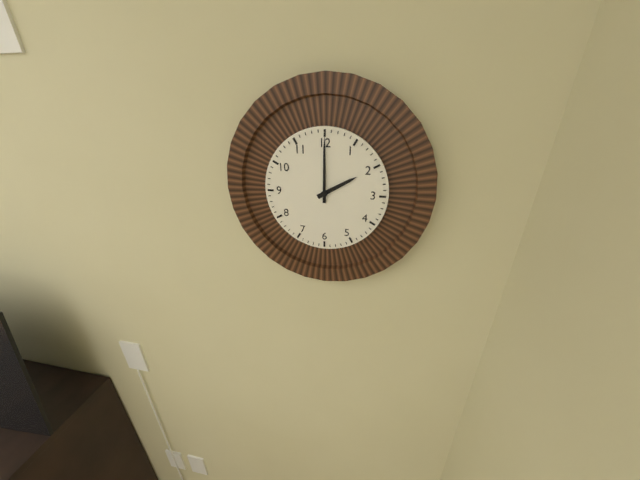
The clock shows 2.00
